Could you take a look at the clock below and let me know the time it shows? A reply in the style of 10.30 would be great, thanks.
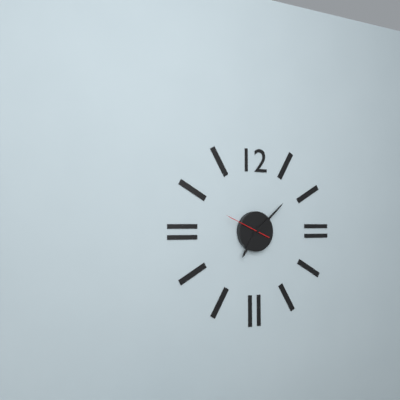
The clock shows 7.08
